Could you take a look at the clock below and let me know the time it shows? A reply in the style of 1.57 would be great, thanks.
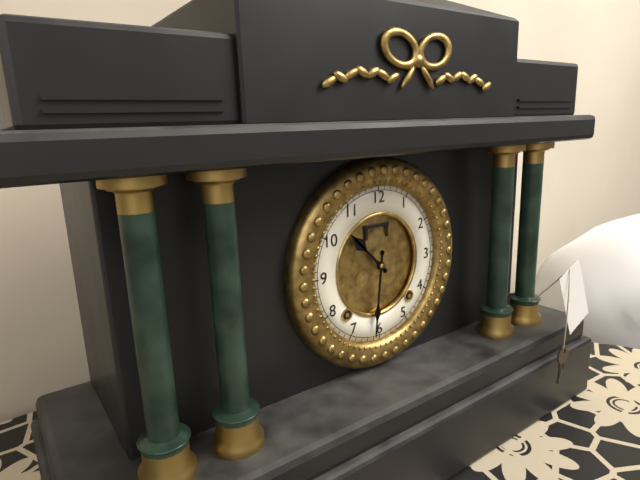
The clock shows 10.31
